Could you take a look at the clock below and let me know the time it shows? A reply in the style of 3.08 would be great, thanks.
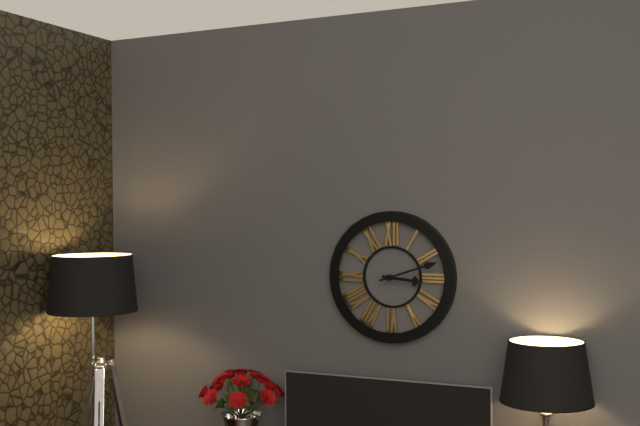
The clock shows 3.12
